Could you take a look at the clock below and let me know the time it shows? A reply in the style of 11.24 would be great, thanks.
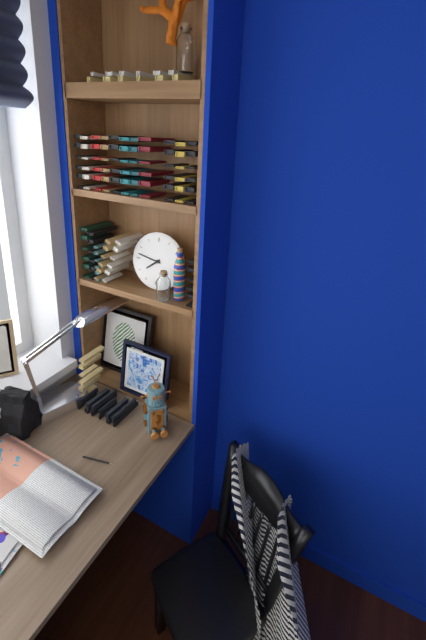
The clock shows 7.47
